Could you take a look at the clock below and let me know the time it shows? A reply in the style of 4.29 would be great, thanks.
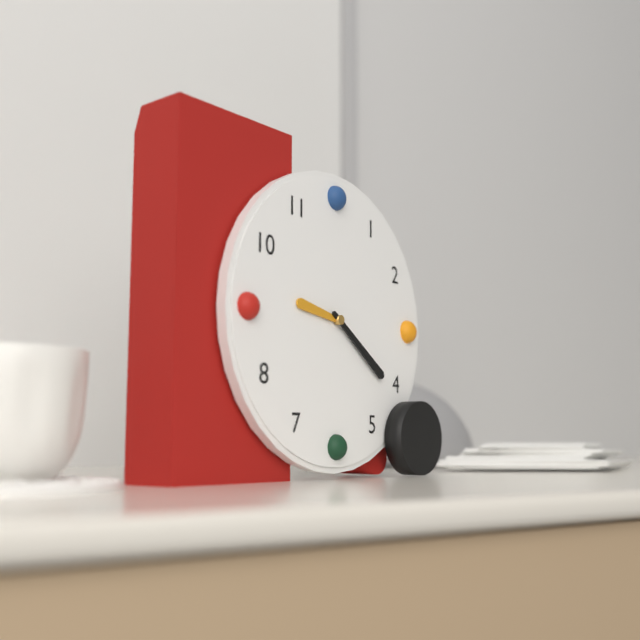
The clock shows 9.21
